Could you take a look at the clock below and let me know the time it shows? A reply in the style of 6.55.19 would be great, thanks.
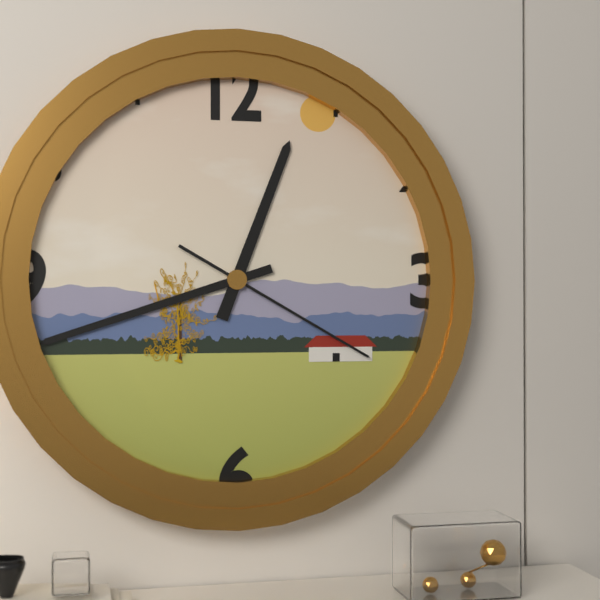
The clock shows 12.42.20
